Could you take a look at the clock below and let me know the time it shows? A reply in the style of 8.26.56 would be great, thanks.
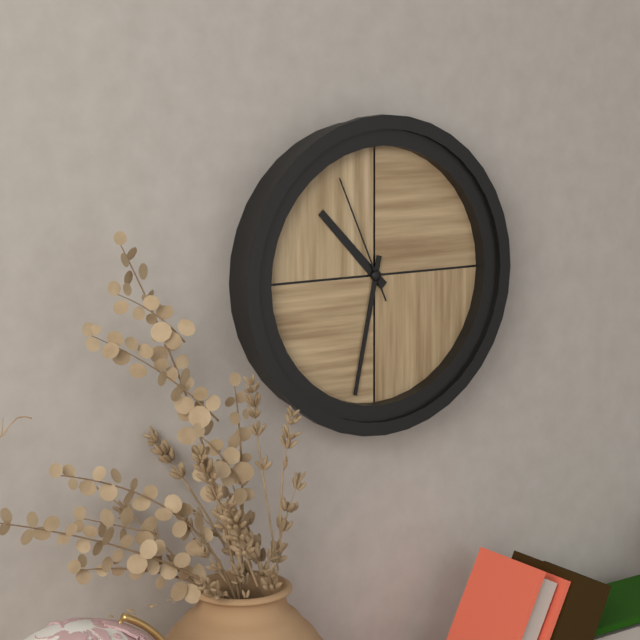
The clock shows 10.32.56
